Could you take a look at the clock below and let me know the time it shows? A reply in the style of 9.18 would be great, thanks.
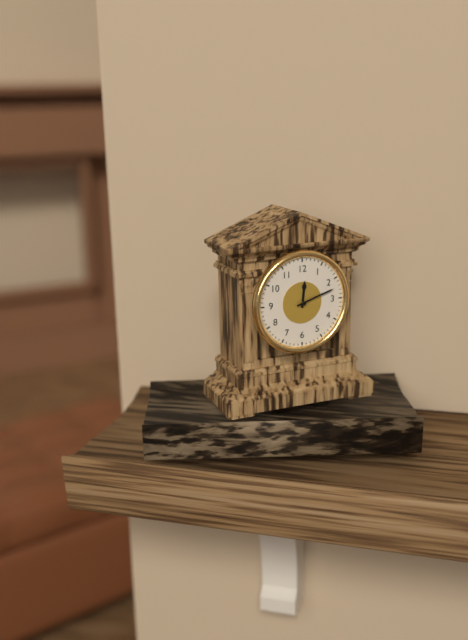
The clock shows 12.12
